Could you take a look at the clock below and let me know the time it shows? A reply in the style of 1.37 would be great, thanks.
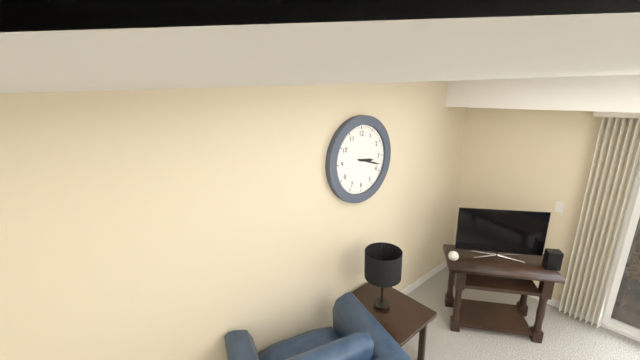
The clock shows 3.18
